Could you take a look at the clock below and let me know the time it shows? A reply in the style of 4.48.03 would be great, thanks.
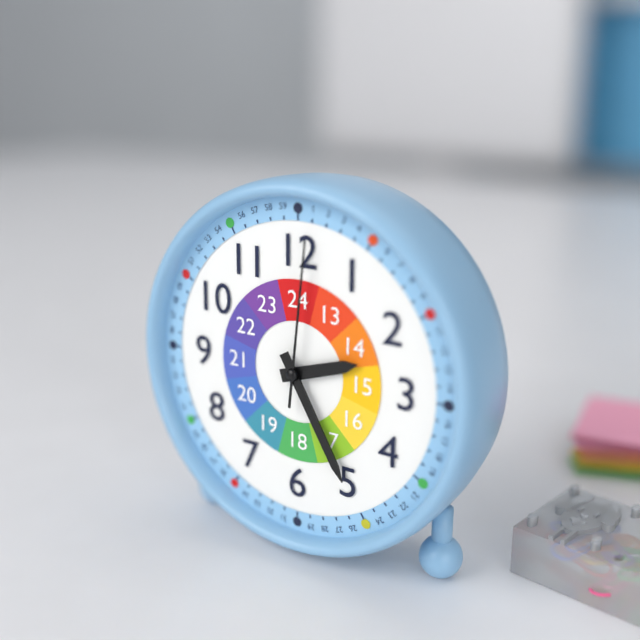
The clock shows 2.25.01
